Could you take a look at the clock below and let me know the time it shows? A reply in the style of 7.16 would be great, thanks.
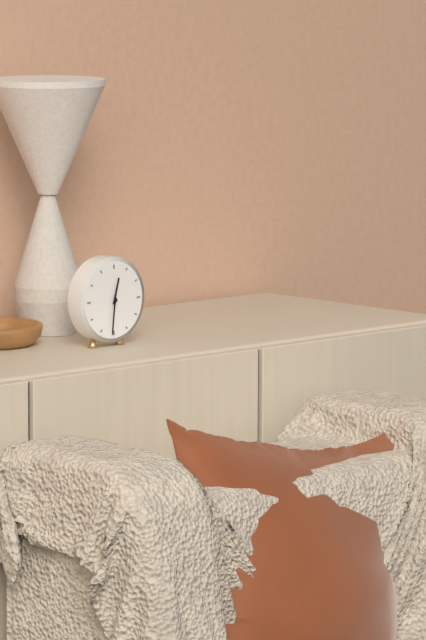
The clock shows 12.31
